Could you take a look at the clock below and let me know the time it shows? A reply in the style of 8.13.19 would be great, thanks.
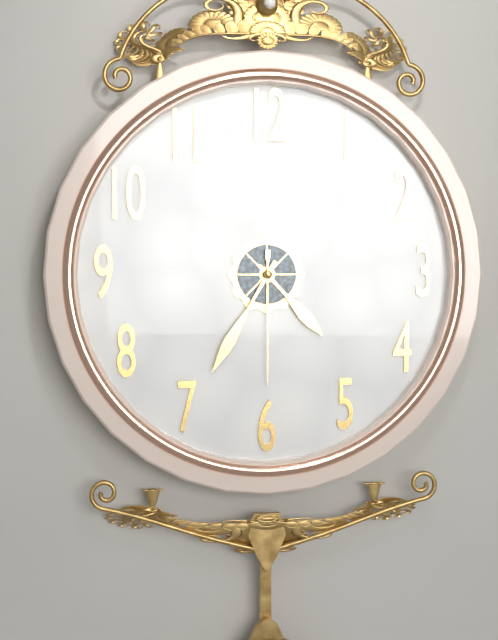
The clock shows 4.35.30
